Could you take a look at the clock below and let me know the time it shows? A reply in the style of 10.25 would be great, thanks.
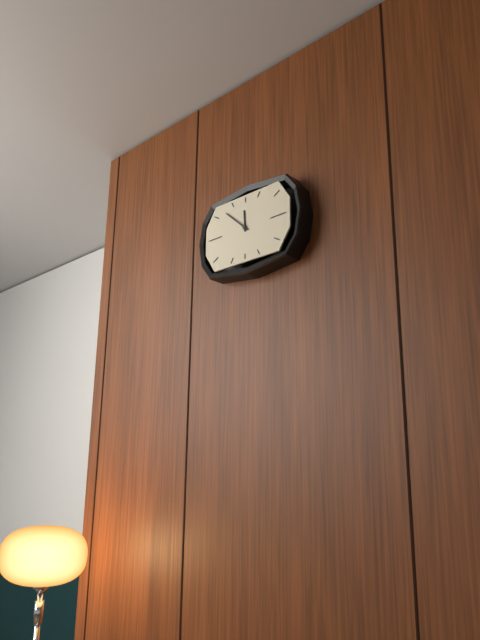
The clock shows 11.52
